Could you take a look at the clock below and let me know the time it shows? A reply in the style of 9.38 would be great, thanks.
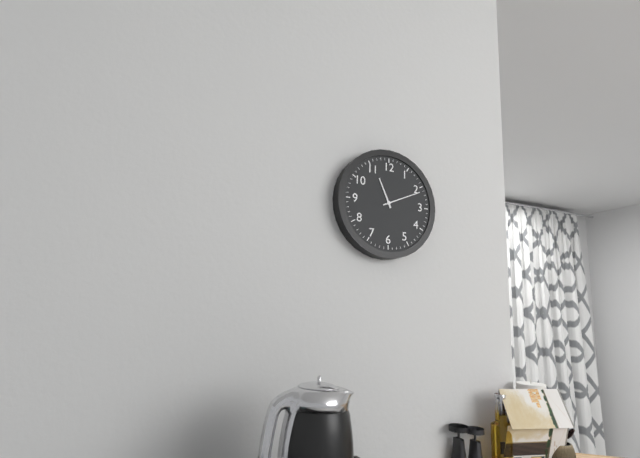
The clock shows 11.11
